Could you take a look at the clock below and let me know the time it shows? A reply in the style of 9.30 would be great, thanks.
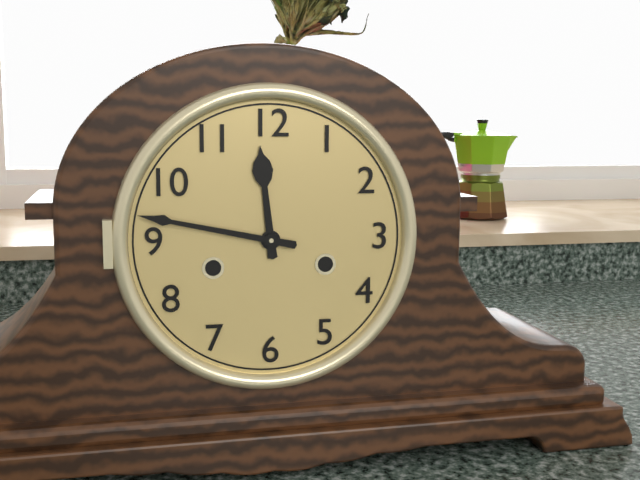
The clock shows 11.47
